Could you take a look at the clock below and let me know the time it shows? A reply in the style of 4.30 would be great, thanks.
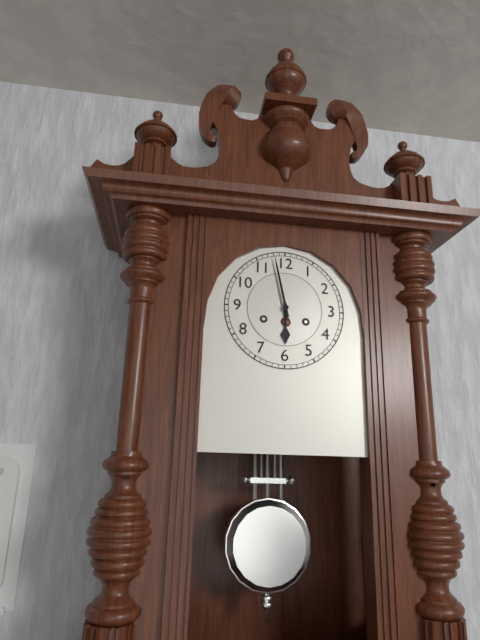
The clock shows 5.58
